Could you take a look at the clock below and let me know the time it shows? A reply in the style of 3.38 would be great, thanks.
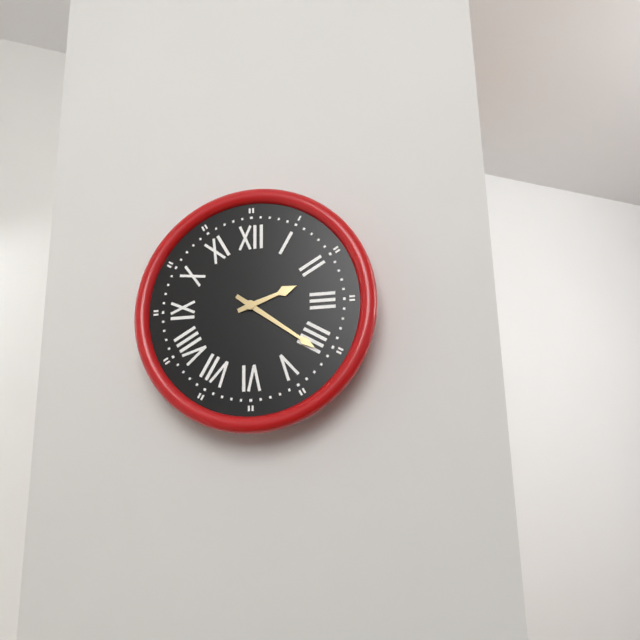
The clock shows 2.21
